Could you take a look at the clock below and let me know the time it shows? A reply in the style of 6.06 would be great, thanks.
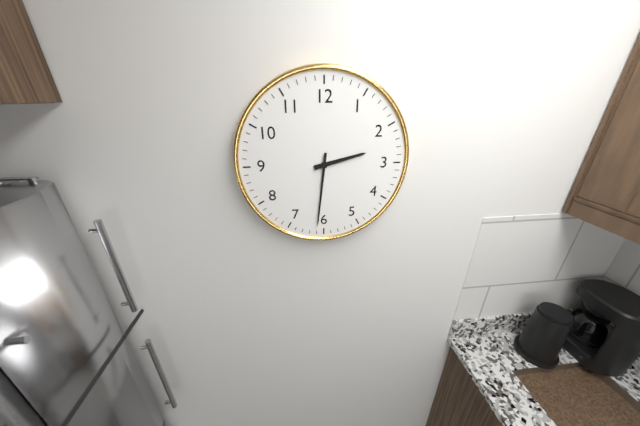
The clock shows 2.31
